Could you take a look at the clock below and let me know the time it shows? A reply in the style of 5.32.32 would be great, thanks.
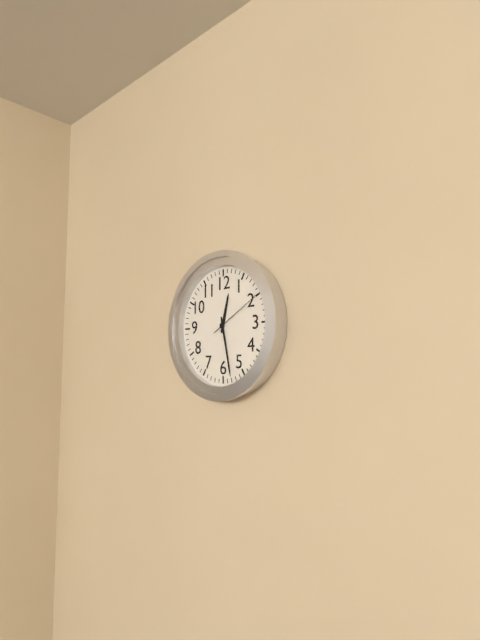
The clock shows 12.28.10
